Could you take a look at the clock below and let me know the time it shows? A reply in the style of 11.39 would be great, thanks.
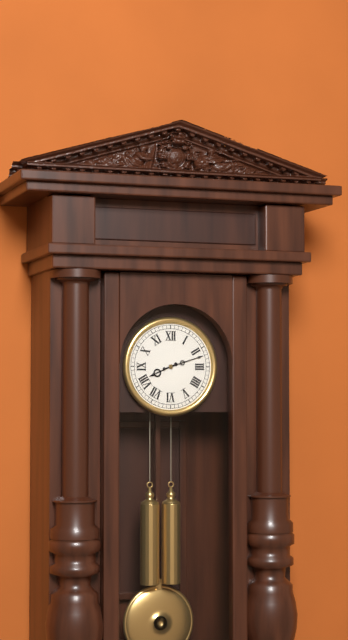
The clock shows 8.12
